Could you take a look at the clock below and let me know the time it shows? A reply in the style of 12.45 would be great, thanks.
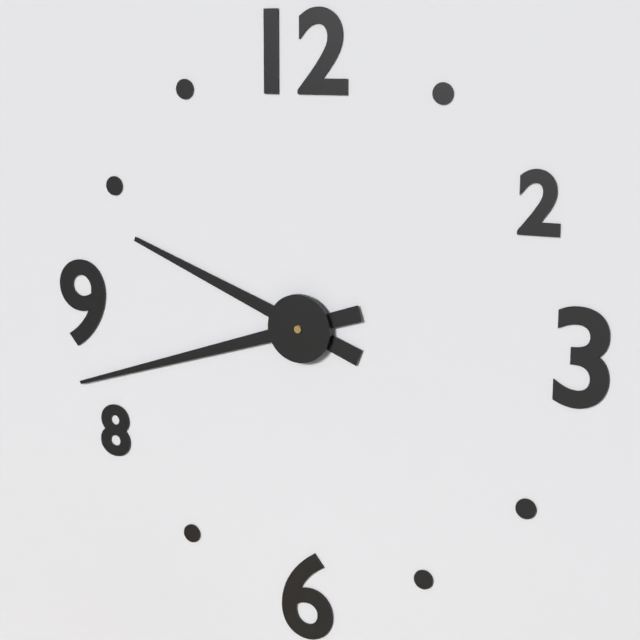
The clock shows 9.42
